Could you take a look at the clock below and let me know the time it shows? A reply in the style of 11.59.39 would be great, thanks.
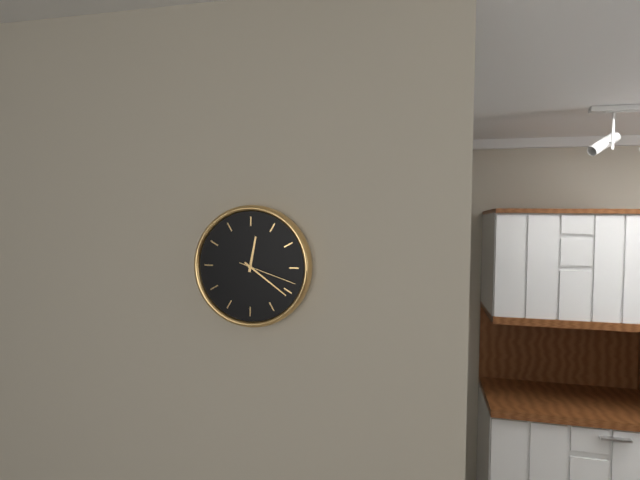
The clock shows 12.21.18
